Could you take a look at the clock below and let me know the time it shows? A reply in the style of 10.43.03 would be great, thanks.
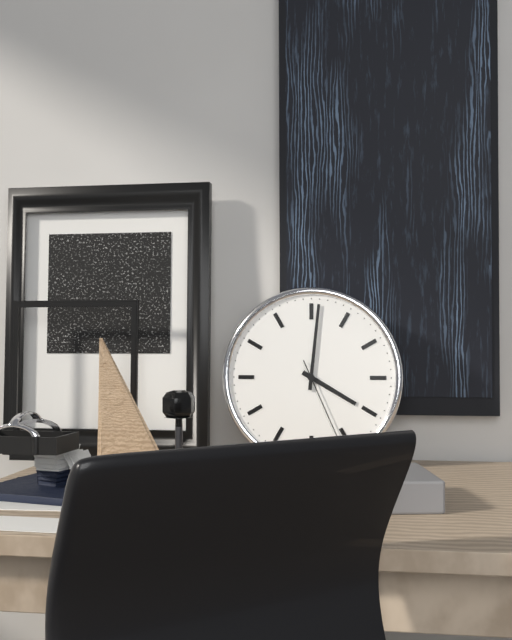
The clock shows 4.01.26
